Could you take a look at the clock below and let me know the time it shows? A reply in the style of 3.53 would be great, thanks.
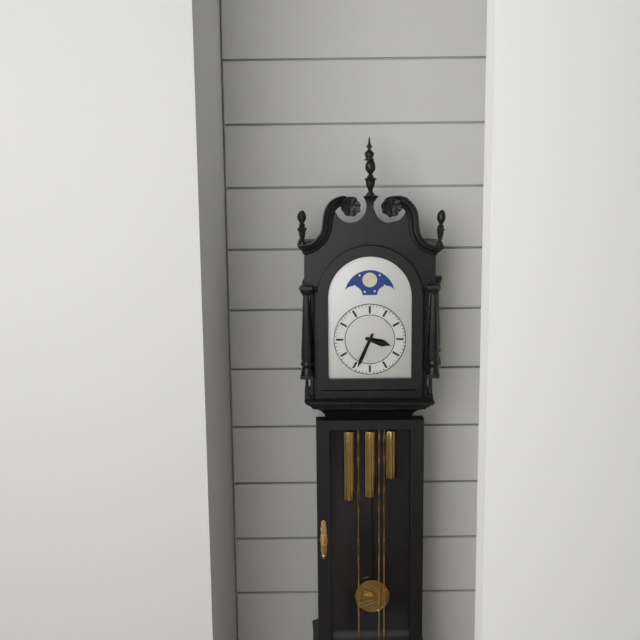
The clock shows 3.34
